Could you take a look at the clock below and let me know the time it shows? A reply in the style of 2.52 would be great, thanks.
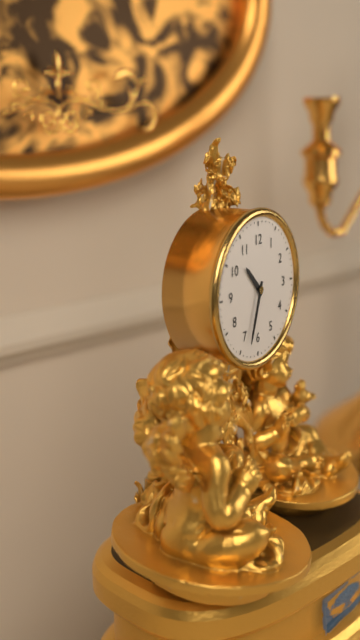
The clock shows 10.33
